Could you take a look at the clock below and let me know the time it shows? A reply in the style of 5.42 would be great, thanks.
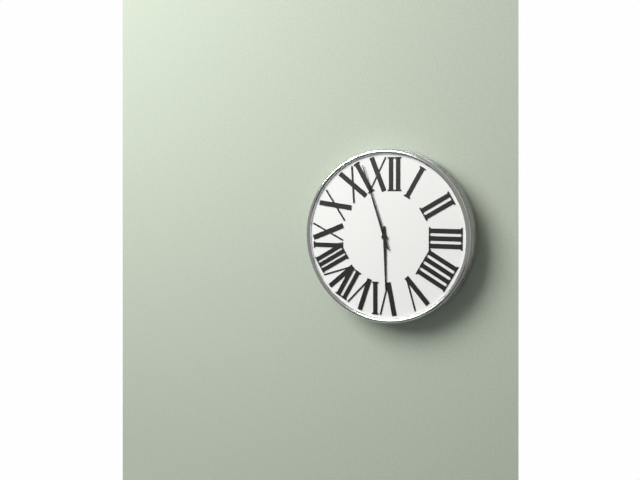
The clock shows 5.57
